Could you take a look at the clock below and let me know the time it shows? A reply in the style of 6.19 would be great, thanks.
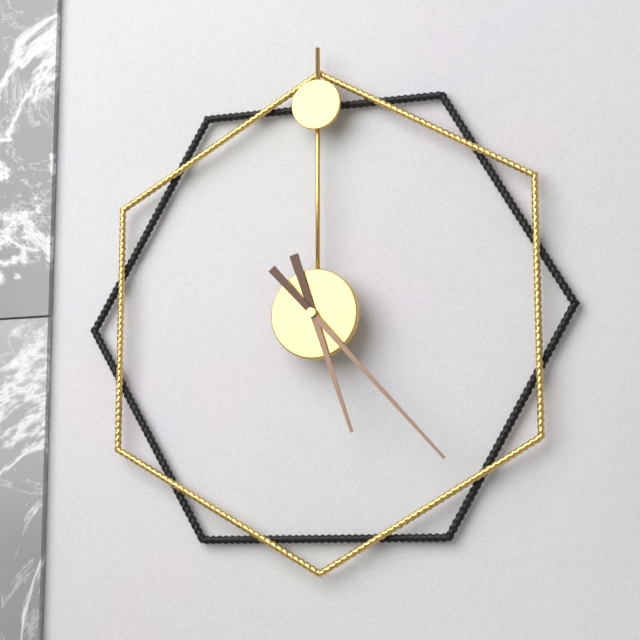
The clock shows 5.23
